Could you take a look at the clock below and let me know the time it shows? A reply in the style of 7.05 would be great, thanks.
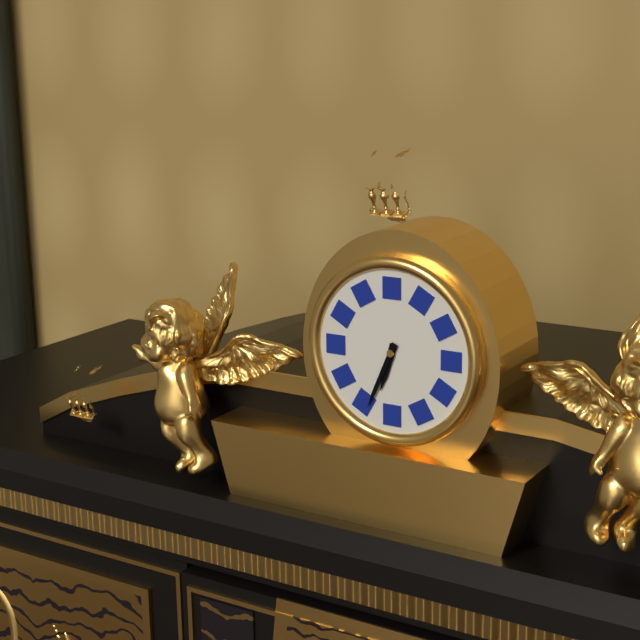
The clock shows 6.34
